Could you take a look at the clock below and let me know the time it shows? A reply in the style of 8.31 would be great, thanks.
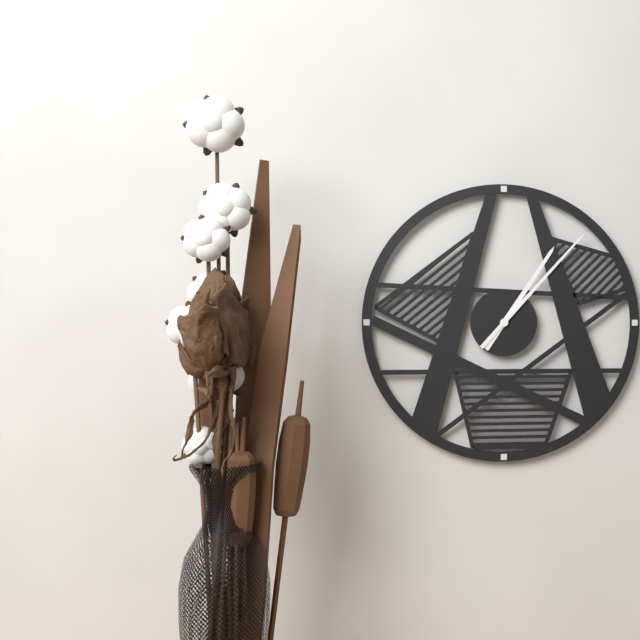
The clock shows 1.07
